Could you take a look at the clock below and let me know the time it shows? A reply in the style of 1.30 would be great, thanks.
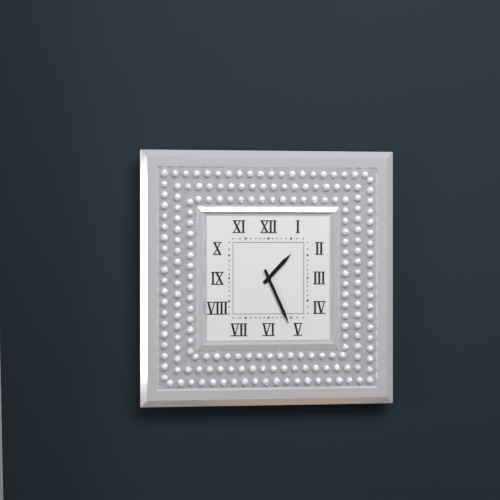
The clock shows 1.26
